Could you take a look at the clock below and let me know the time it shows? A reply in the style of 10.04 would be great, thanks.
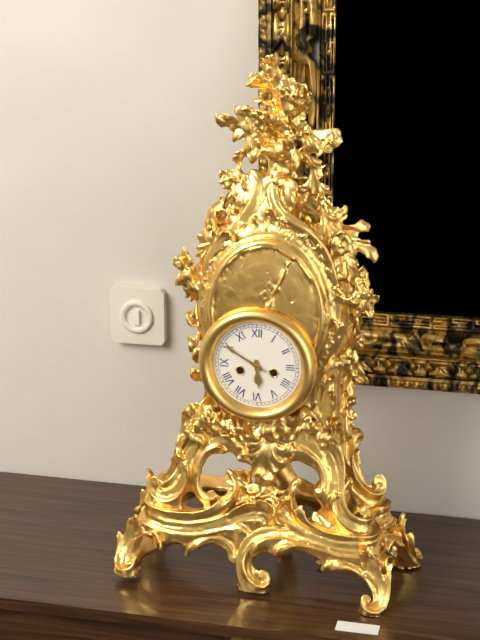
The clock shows 5.50
